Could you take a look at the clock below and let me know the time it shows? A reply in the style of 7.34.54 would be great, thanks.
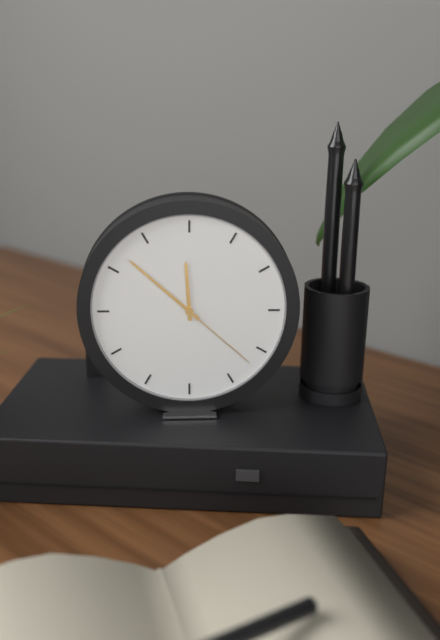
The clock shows 11.52.22
